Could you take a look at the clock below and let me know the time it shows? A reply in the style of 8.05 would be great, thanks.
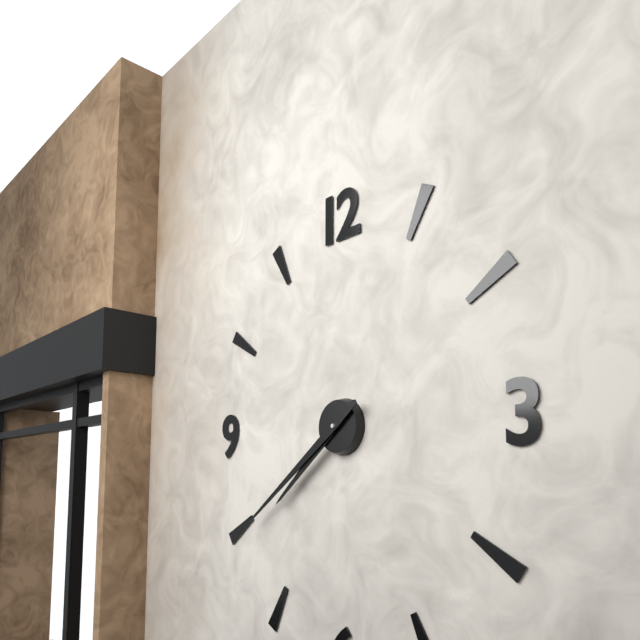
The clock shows 7.39
